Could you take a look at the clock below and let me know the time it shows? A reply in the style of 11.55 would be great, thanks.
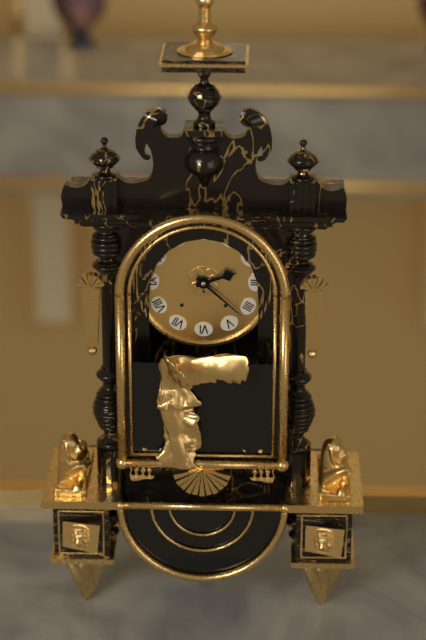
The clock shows 2.22
